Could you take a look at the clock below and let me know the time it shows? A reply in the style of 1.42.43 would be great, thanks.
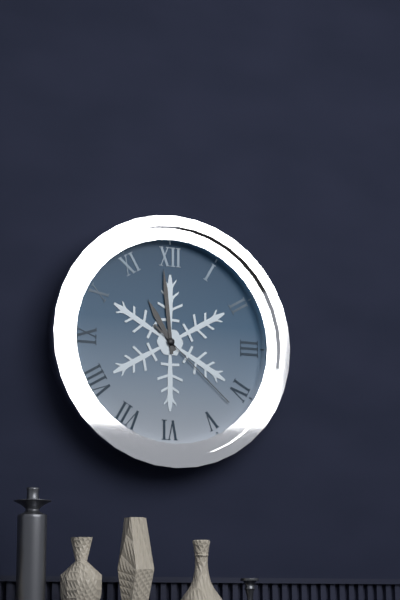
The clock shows 10.59.22
